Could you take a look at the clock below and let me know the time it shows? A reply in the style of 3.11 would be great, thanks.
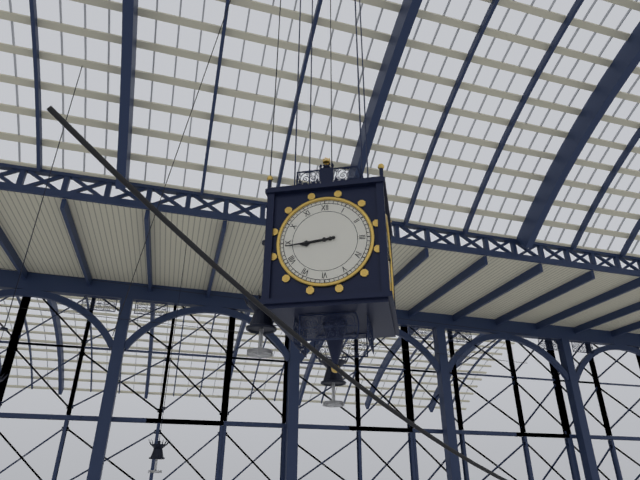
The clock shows 8.44
